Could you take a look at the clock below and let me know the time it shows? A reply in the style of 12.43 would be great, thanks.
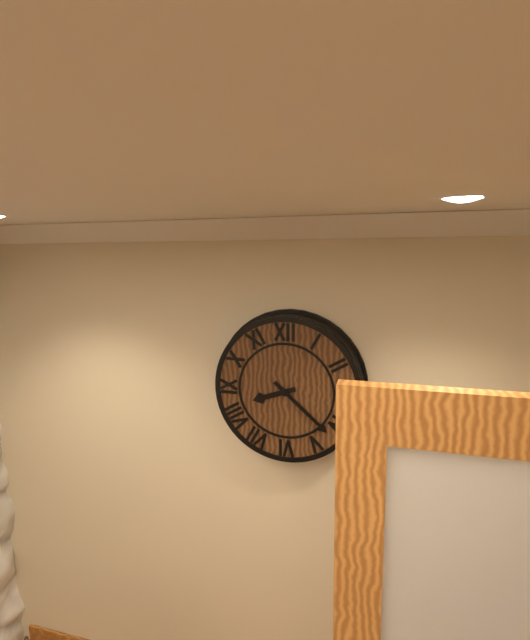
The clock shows 8.22
